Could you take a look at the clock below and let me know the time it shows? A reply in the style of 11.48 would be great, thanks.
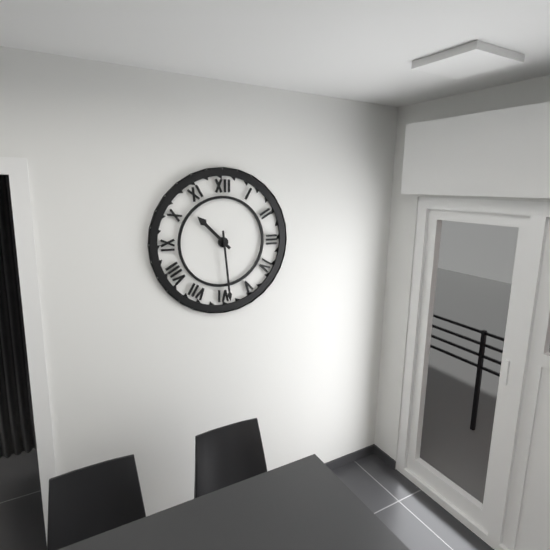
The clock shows 10.29
